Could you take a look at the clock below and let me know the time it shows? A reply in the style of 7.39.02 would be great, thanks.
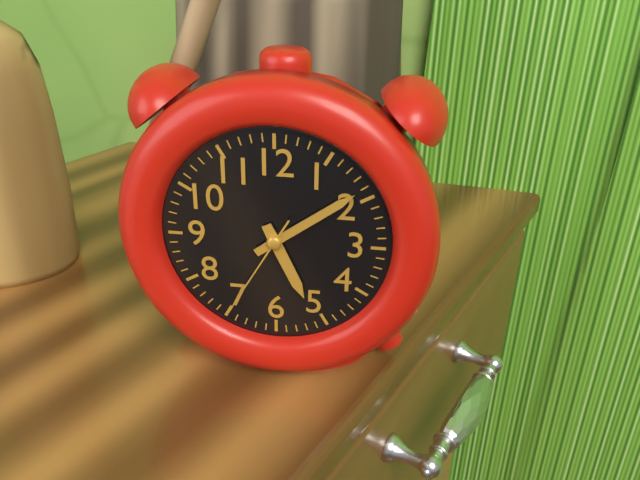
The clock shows 5.09.35
